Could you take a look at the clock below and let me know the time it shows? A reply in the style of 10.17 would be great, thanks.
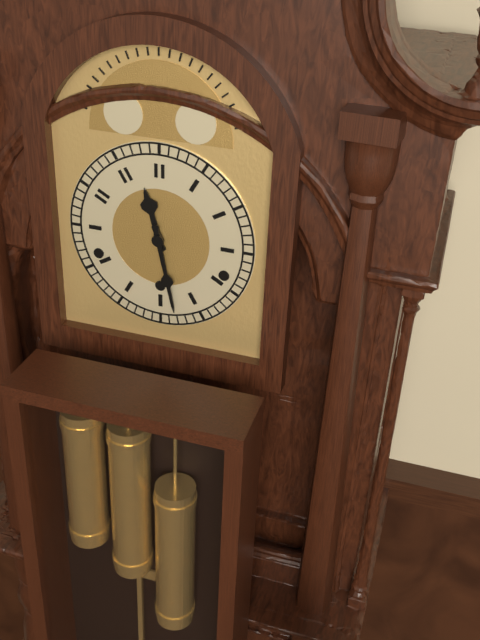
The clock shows 11.28
